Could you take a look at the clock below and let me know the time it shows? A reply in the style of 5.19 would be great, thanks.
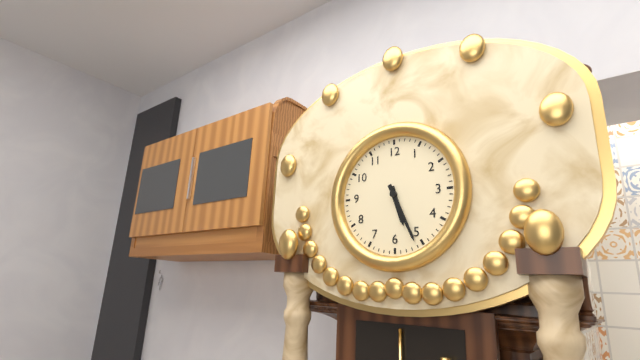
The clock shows 5.26
